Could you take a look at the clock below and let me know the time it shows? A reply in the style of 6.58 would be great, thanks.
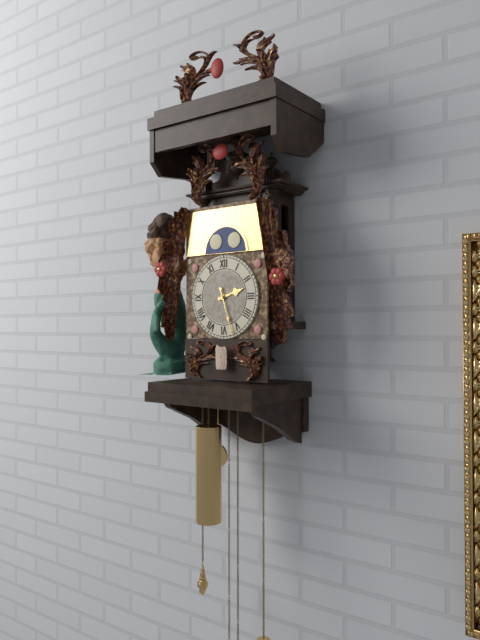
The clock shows 2.27
